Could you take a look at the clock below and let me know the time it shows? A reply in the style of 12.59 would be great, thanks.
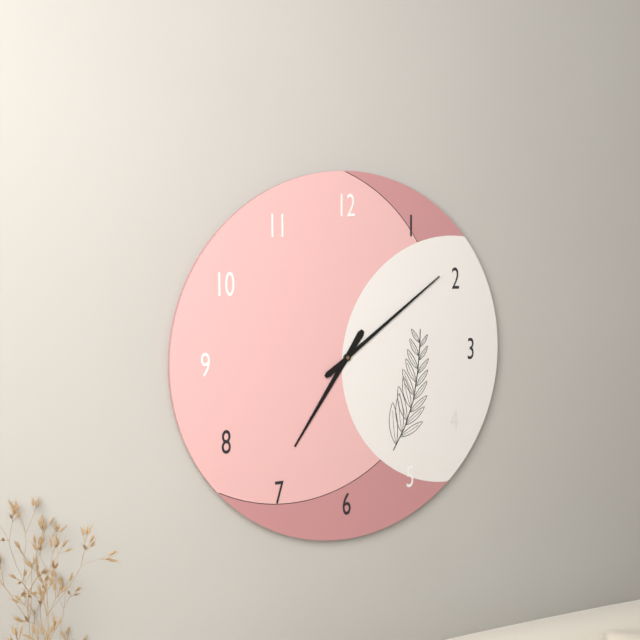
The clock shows 7.09
